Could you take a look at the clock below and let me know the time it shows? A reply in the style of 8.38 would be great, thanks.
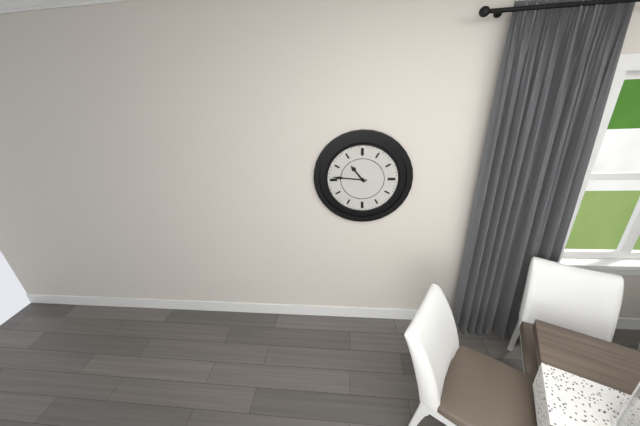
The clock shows 10.46
